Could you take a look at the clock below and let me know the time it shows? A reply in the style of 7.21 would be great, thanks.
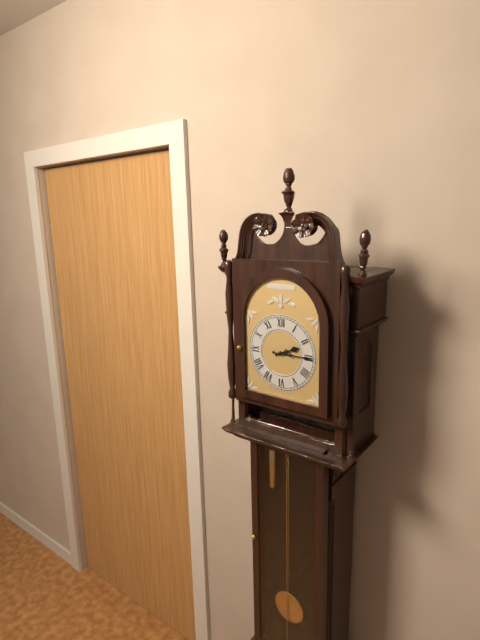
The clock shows 2.15
